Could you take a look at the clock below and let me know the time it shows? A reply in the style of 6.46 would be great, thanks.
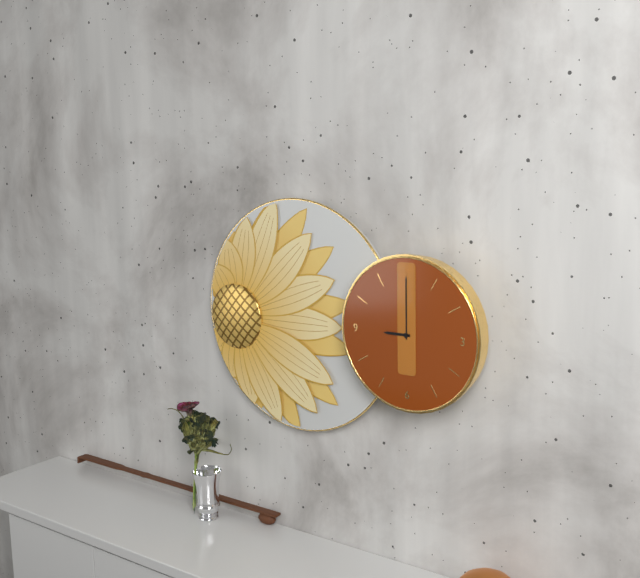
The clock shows 9.00
